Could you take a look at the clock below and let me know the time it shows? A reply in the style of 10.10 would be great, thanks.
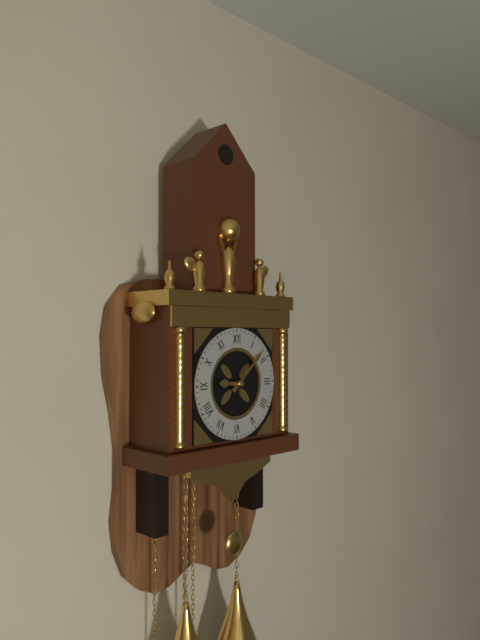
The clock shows 9.08
